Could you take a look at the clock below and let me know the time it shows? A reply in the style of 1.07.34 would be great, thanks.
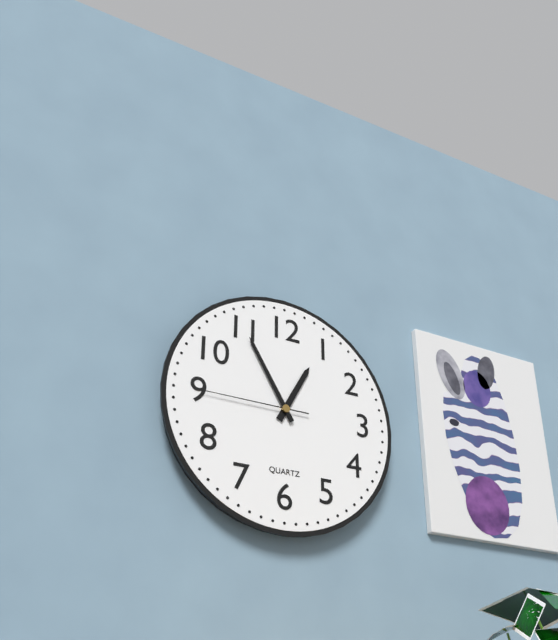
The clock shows 12.55.45
